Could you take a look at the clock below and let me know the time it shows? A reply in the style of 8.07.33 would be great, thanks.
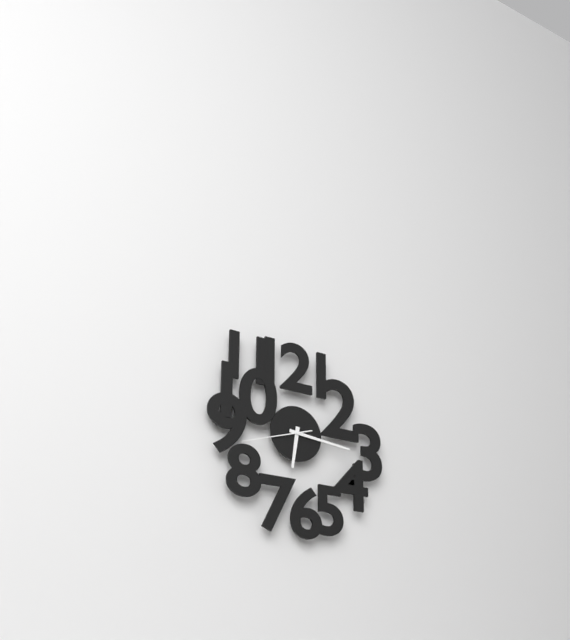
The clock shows 6.16.42
